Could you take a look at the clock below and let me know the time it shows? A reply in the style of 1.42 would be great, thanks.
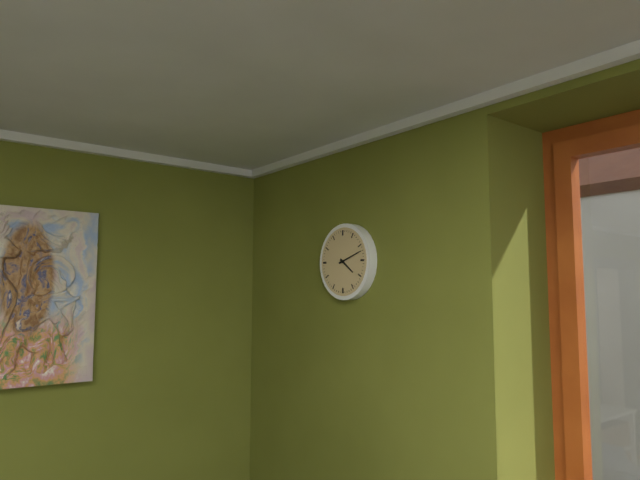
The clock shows 4.12
